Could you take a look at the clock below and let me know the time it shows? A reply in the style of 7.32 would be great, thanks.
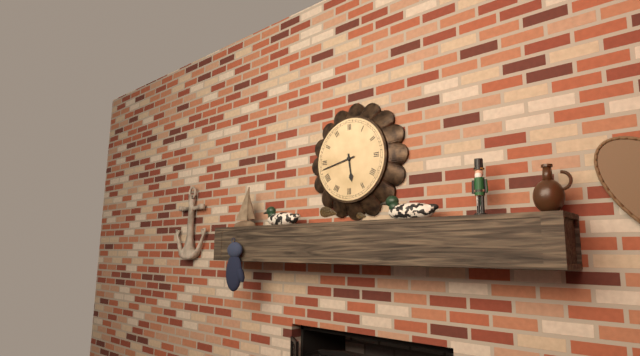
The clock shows 5.43
